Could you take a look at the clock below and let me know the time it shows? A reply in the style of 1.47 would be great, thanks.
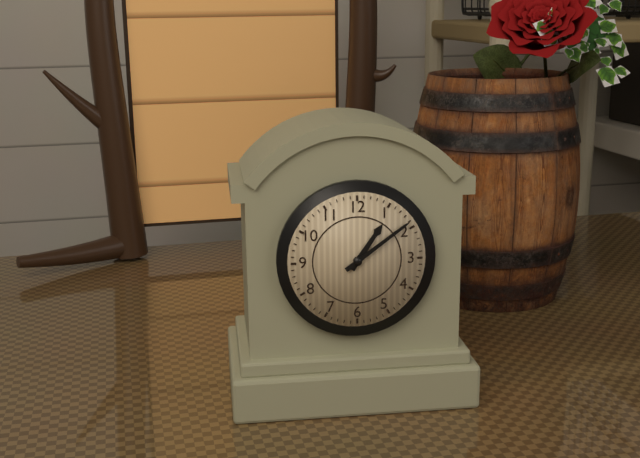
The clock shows 1.09
